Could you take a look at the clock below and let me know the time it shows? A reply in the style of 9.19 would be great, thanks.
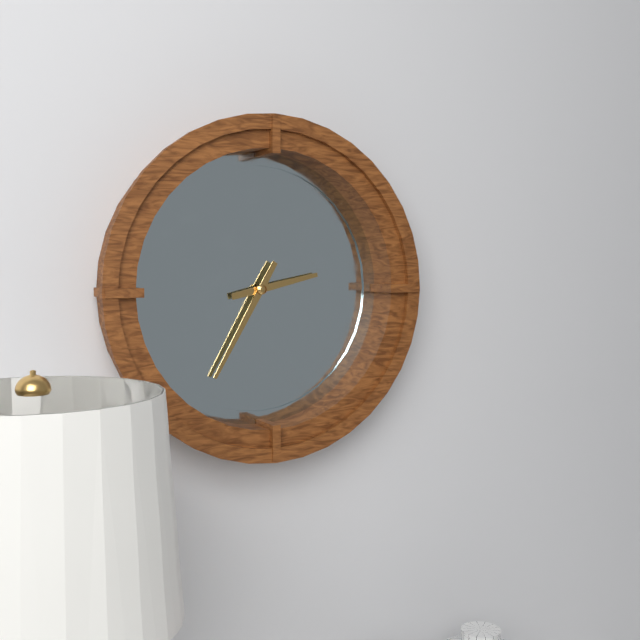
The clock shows 2.35
